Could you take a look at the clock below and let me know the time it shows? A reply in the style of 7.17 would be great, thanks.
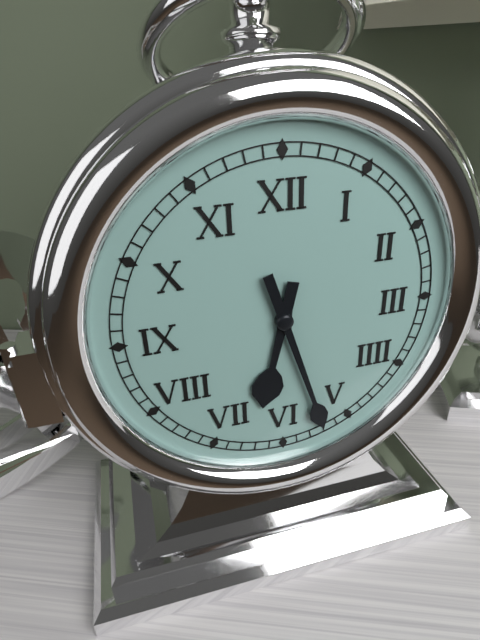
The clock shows 6.27
